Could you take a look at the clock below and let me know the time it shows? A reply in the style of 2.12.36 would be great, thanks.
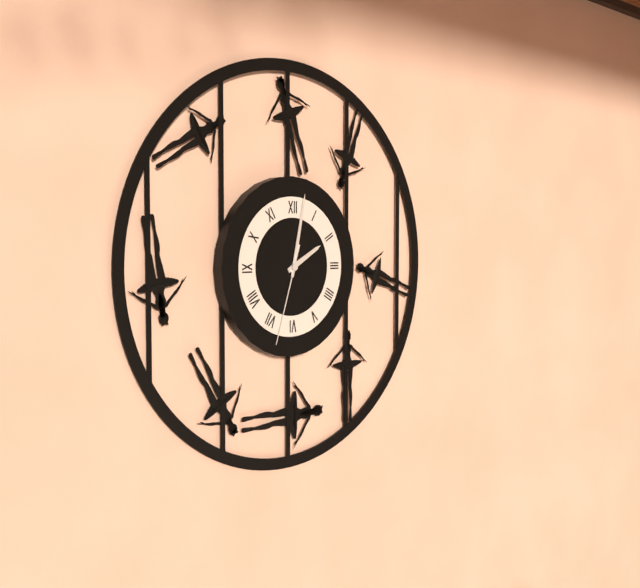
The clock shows 2.02.33
